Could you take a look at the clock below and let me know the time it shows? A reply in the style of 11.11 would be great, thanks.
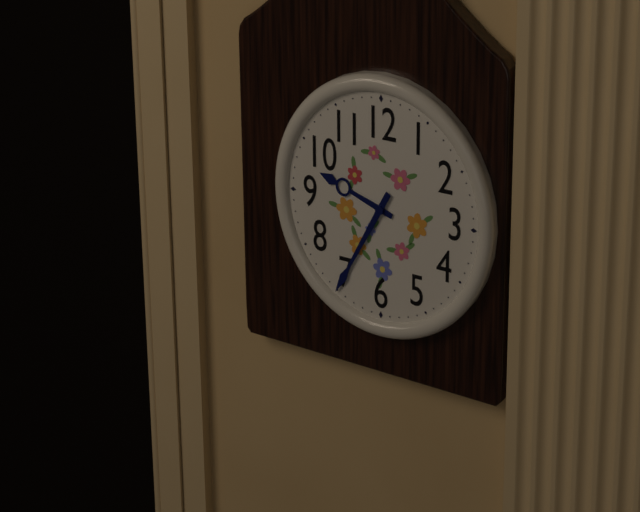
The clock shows 9.35
